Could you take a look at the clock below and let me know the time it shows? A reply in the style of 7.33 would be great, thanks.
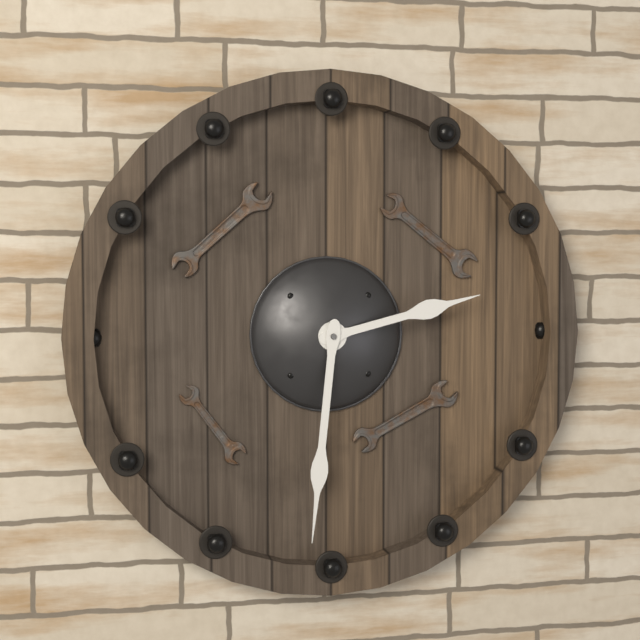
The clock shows 2.31
